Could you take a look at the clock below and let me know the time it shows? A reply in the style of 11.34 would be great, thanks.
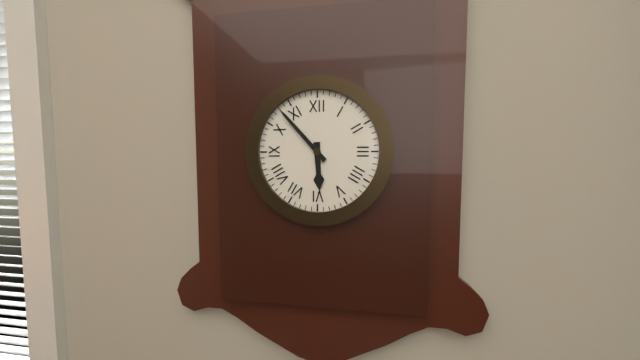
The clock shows 5.53
